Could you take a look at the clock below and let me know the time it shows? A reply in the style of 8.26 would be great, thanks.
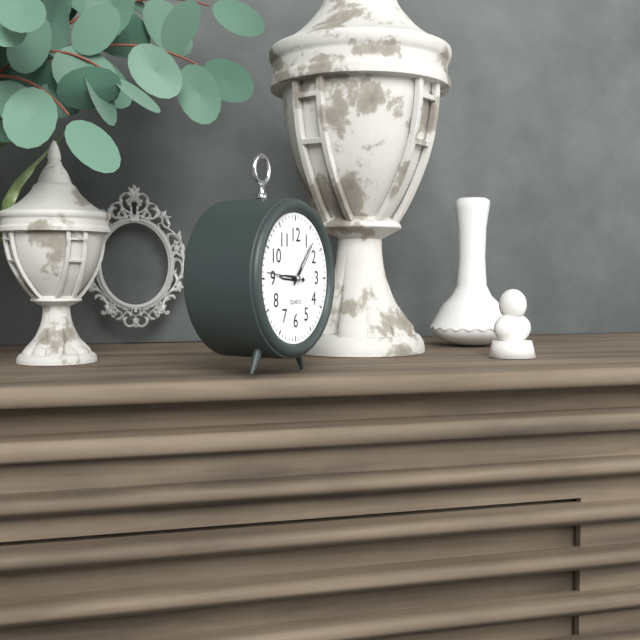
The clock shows 9.07
